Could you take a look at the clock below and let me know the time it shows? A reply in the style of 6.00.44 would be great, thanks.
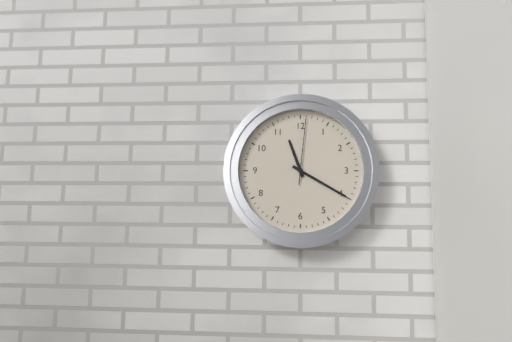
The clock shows 11.20.01
